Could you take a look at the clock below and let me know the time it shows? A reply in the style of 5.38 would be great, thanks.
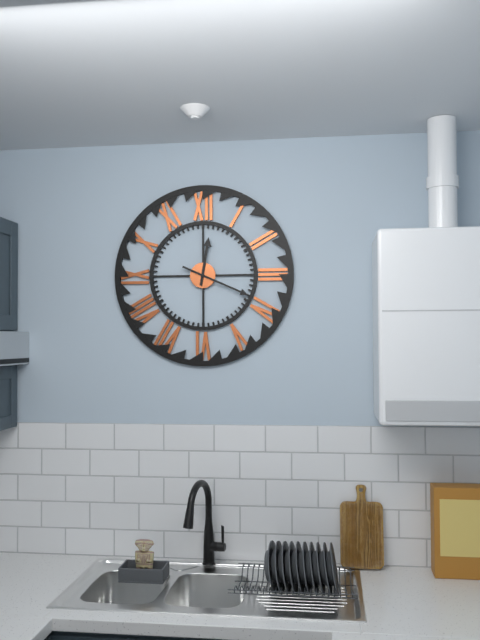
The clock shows 12.19
